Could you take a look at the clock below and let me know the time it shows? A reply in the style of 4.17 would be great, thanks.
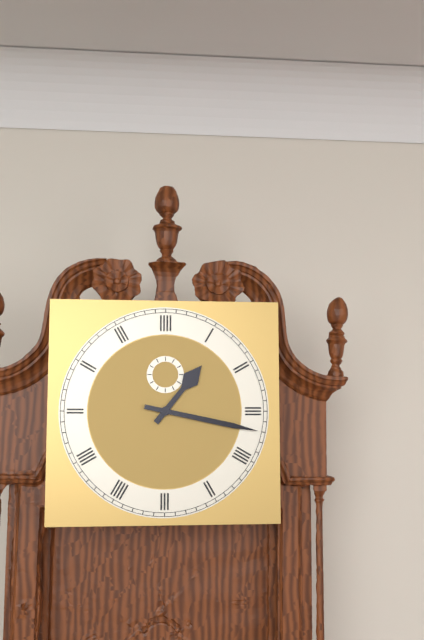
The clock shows 1.17
